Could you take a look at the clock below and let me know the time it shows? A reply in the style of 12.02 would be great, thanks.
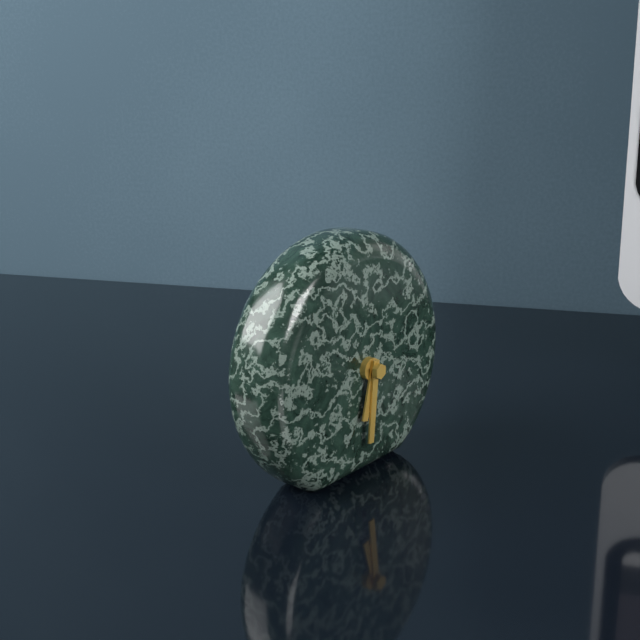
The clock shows 6.31
